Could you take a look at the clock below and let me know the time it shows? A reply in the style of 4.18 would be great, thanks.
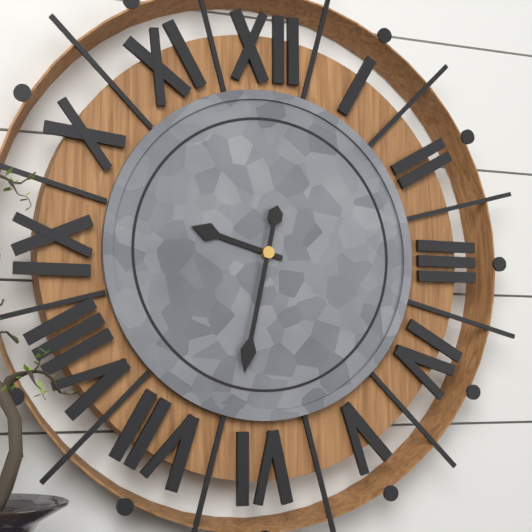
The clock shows 9.32
